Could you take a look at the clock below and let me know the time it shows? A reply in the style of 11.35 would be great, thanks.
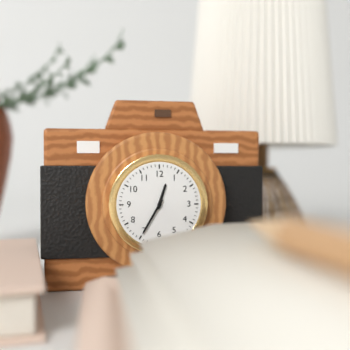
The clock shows 12.35
